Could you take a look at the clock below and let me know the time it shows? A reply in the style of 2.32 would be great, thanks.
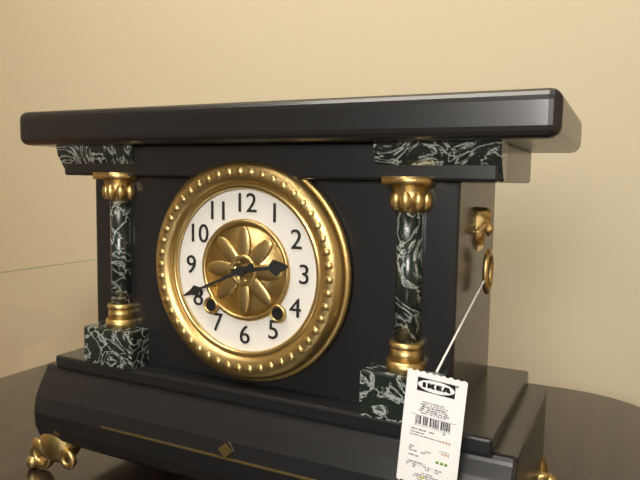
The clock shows 2.41
